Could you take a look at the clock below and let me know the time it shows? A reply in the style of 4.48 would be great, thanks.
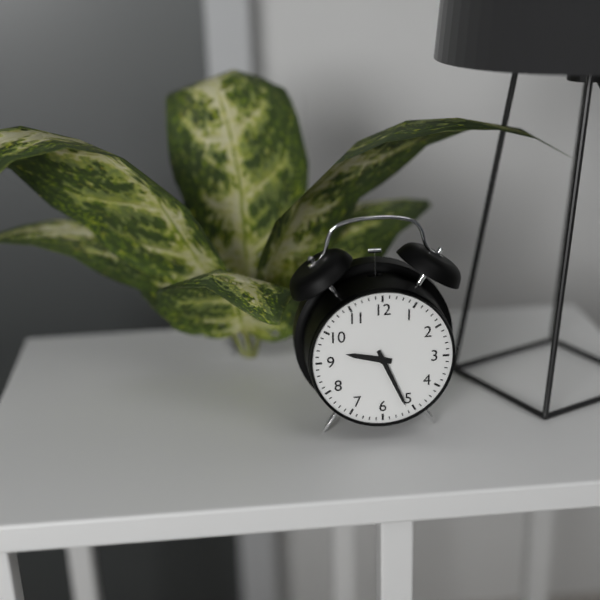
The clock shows 9.26
